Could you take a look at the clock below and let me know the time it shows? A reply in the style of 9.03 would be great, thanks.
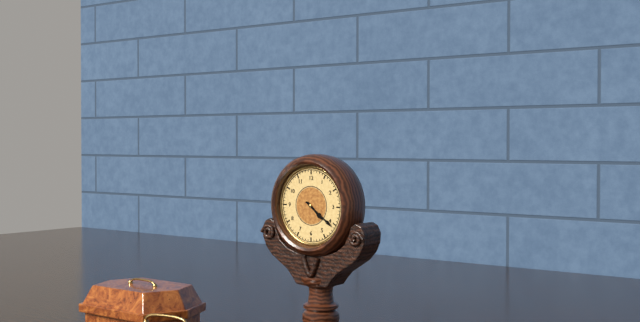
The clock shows 4.21
